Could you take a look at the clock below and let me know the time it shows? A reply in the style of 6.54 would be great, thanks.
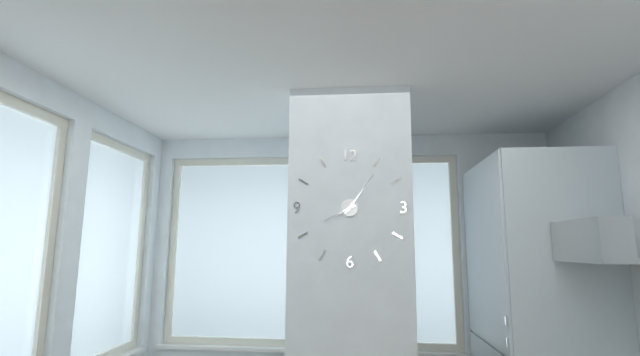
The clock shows 8.06
